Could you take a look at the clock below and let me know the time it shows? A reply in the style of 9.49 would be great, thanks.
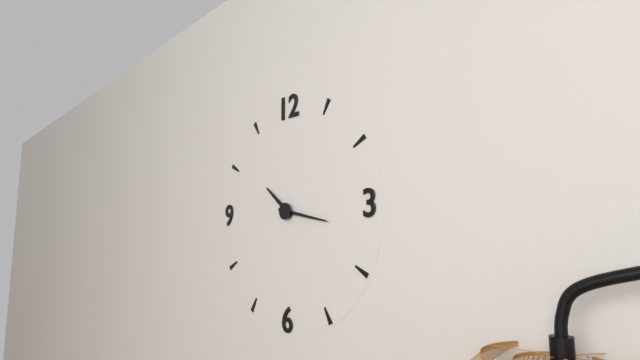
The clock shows 10.17
